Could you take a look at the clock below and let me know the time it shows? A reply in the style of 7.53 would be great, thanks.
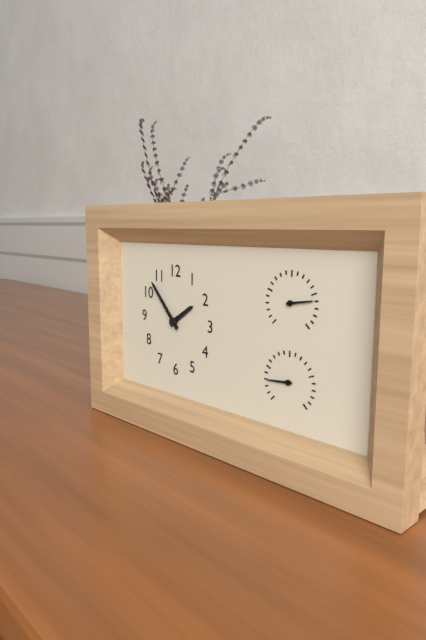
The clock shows 1.53
